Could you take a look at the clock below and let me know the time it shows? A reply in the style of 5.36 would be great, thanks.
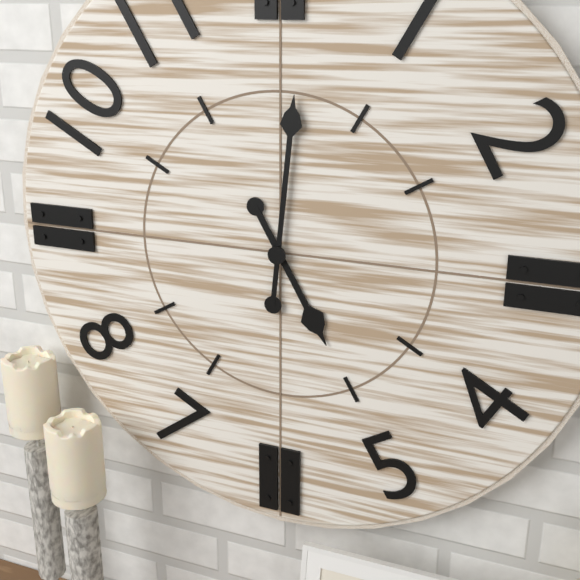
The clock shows 5.01
